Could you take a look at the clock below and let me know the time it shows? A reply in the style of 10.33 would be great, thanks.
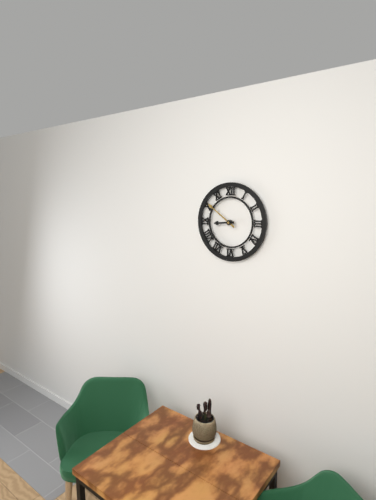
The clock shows 8.51
